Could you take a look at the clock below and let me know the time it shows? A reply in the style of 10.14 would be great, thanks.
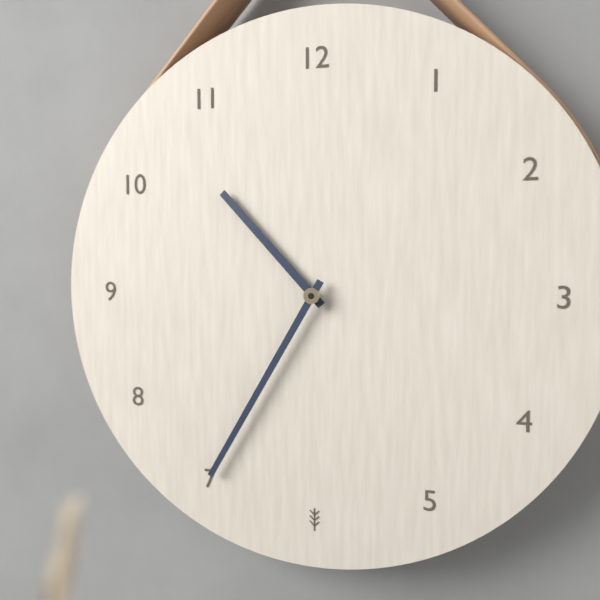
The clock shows 10.35
